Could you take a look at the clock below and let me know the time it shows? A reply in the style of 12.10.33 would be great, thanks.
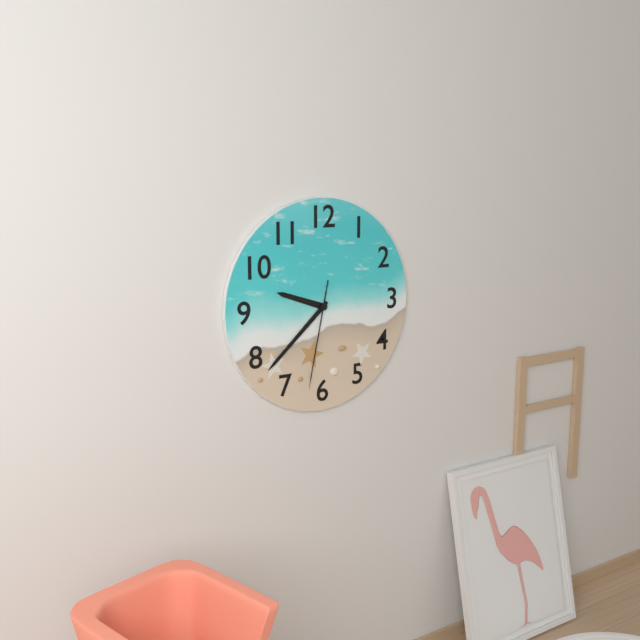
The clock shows 9.38.32
